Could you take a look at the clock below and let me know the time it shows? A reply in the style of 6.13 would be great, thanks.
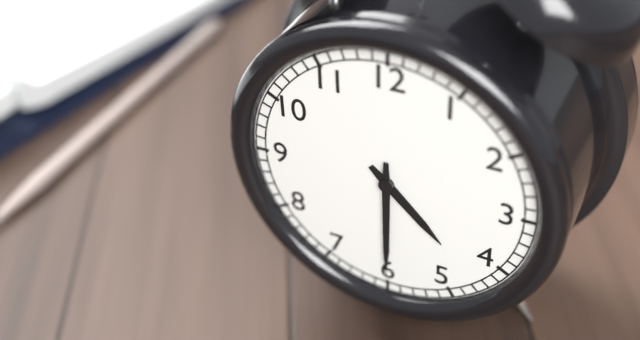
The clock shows 4.30
